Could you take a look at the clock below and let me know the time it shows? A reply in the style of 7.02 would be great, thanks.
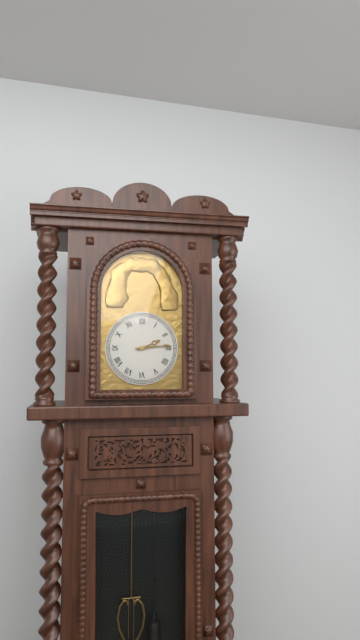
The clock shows 2.14
